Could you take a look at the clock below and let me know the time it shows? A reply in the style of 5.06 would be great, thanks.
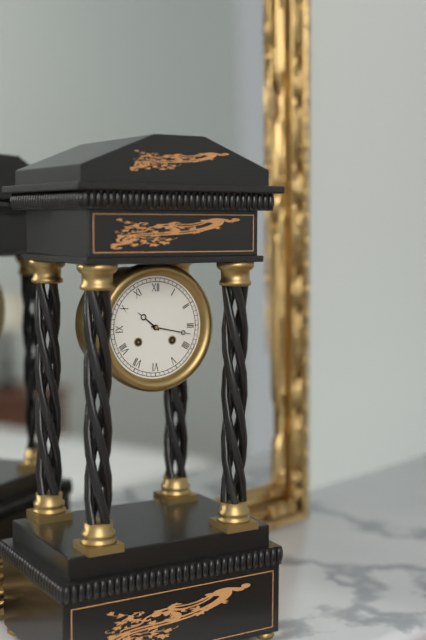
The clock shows 10.17
